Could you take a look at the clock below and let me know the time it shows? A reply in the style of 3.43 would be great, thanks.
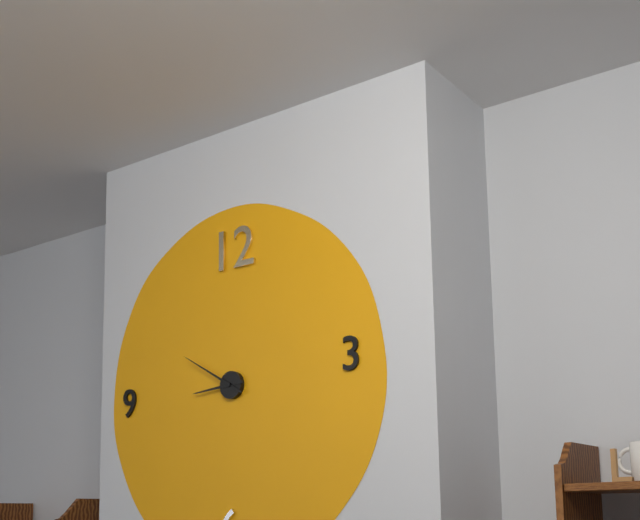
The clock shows 8.50
